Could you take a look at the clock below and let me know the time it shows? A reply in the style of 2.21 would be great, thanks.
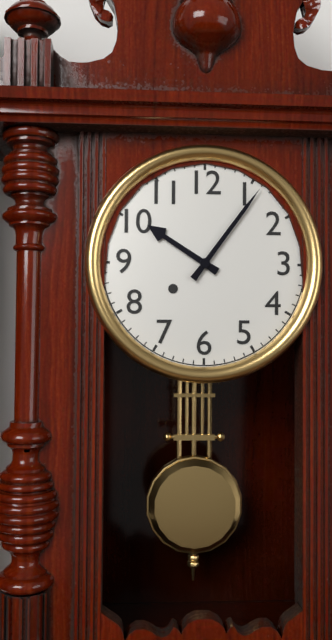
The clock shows 10.06
